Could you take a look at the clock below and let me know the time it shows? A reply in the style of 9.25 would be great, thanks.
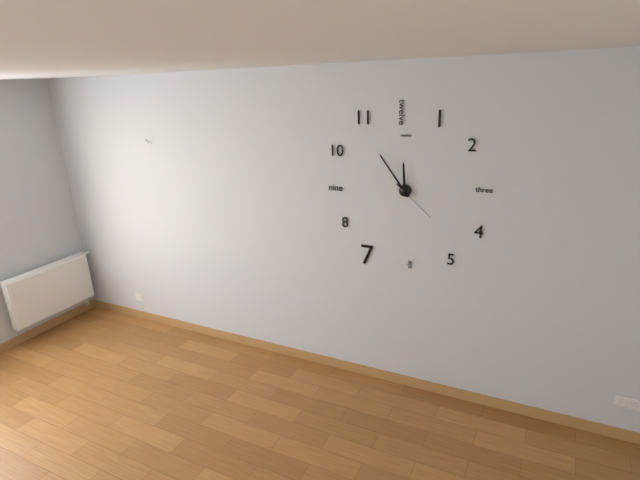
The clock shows 11.54
